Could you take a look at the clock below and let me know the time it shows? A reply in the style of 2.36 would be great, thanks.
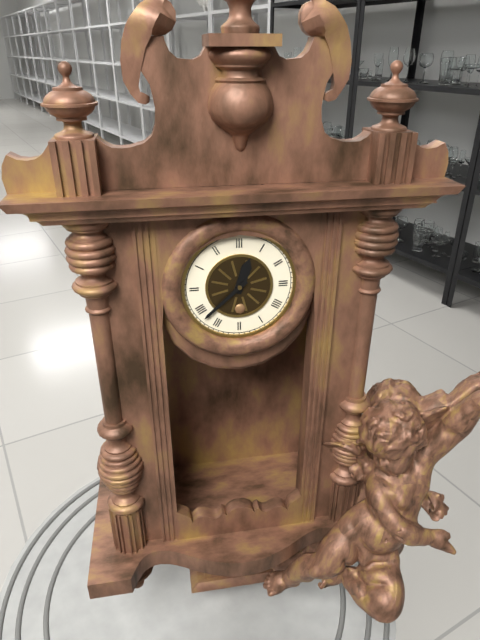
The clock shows 12.38
